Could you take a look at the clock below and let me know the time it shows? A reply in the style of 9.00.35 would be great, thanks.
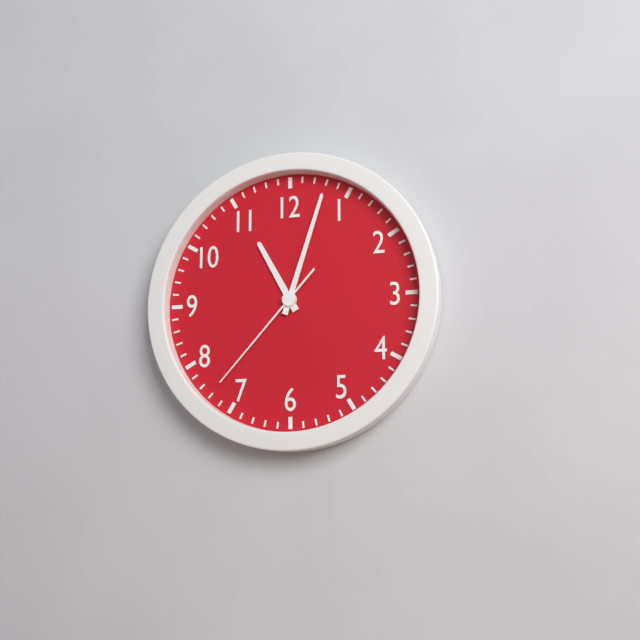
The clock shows 11.03.37
